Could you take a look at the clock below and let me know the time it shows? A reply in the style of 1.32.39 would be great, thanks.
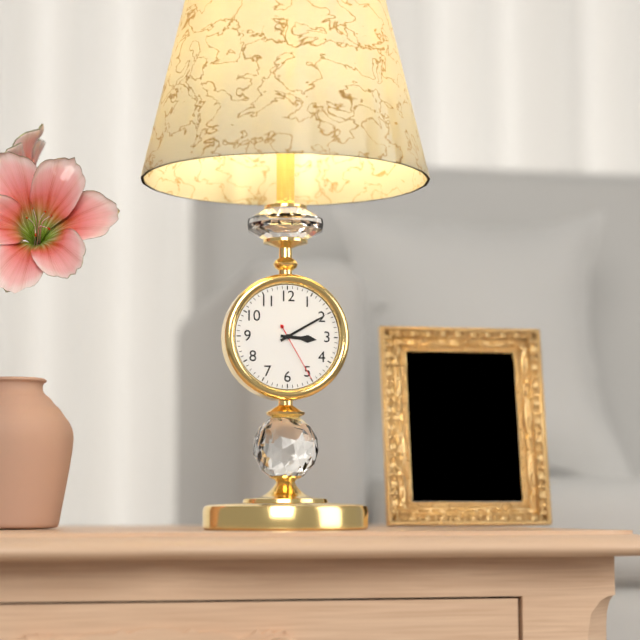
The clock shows 3.10.25
